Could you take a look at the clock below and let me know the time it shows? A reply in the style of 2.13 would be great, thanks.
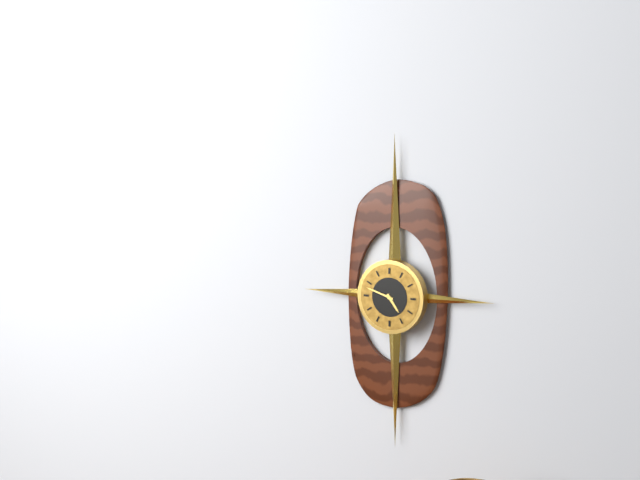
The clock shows 4.48
